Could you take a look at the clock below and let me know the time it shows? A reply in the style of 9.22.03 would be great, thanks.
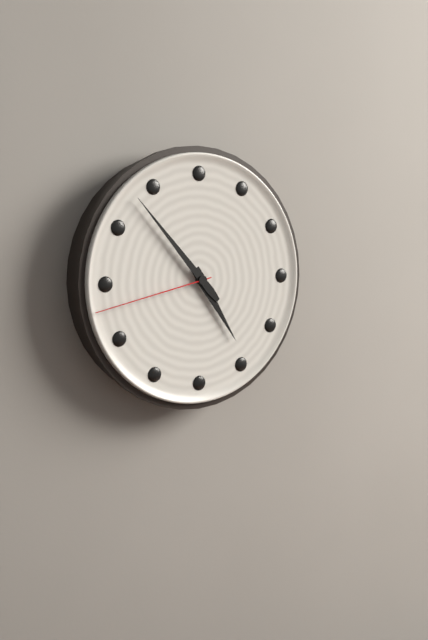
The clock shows 4.53.43
